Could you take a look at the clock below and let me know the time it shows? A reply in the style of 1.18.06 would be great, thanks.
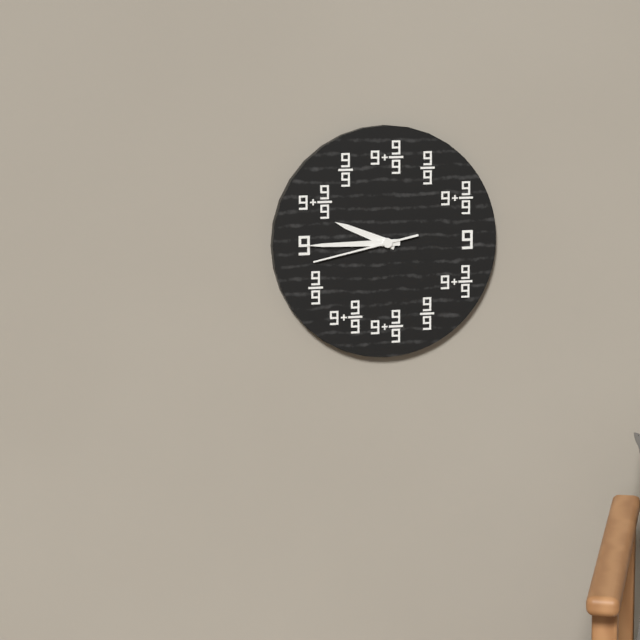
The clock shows 9.45.43
